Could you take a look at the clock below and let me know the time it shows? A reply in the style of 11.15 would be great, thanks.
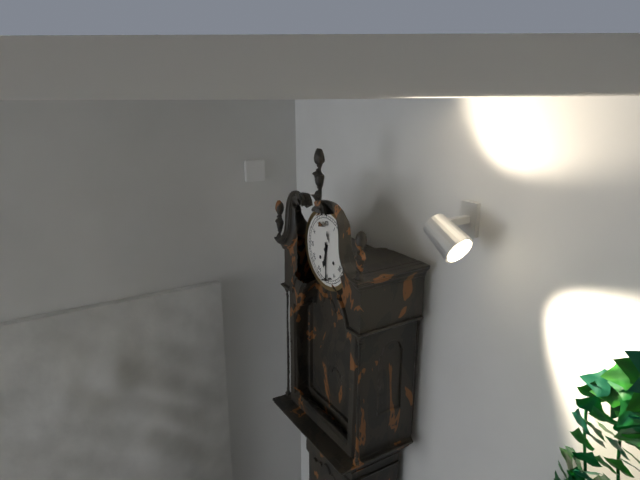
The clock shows 6.30
